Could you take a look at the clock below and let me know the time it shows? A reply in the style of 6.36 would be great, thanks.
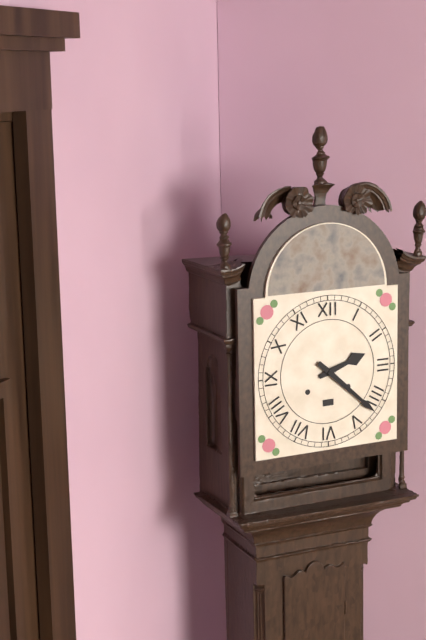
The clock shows 2.22
